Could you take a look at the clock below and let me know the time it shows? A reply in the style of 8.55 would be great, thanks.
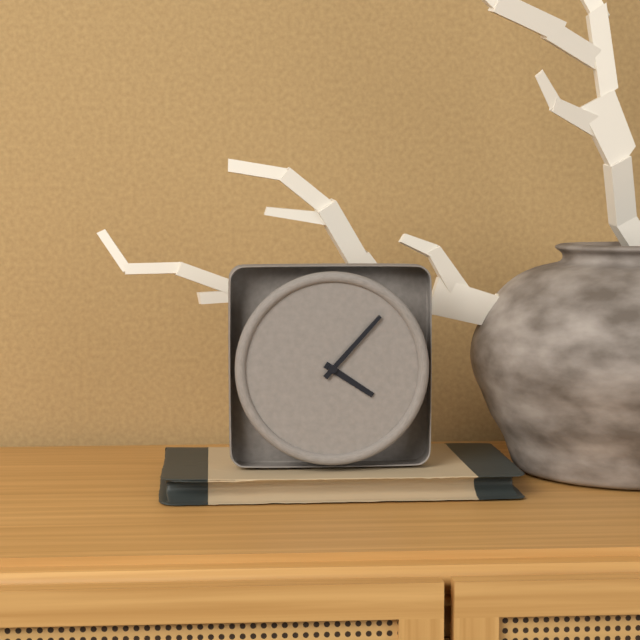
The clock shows 4.07
